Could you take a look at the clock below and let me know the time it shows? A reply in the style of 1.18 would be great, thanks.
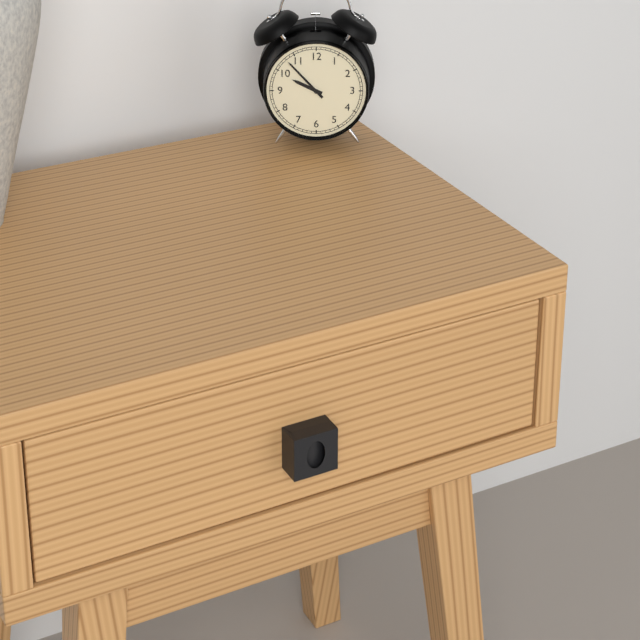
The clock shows 9.53
